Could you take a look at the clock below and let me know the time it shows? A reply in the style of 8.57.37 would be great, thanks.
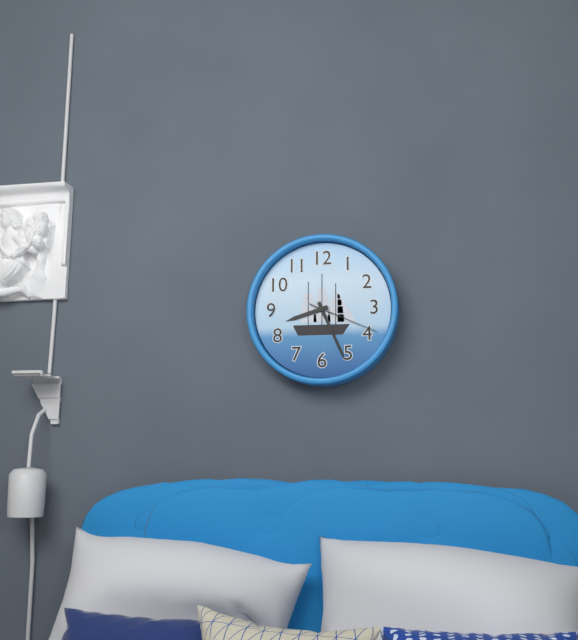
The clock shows 8.26.19
